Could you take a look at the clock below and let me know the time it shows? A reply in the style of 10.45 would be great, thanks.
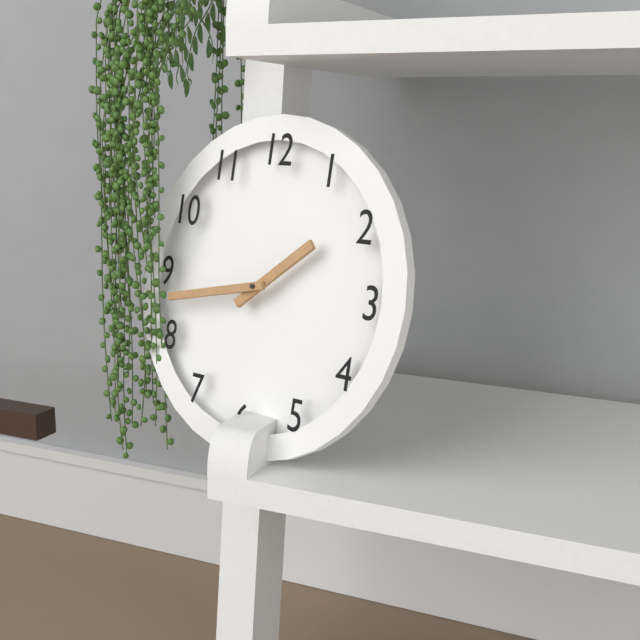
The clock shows 1.43
